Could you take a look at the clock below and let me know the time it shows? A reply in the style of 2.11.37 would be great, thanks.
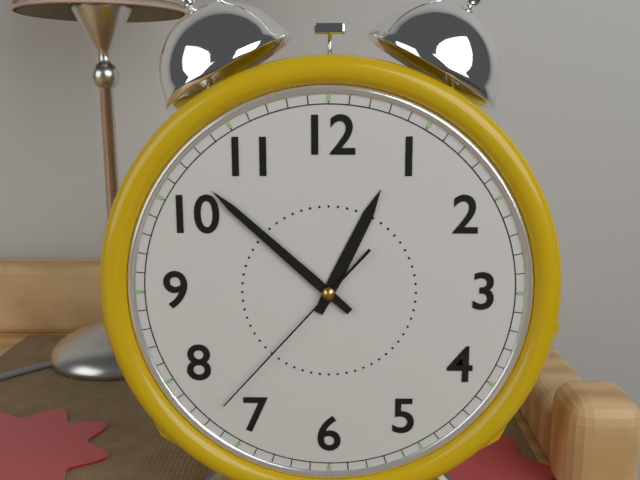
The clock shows 12.52.37
